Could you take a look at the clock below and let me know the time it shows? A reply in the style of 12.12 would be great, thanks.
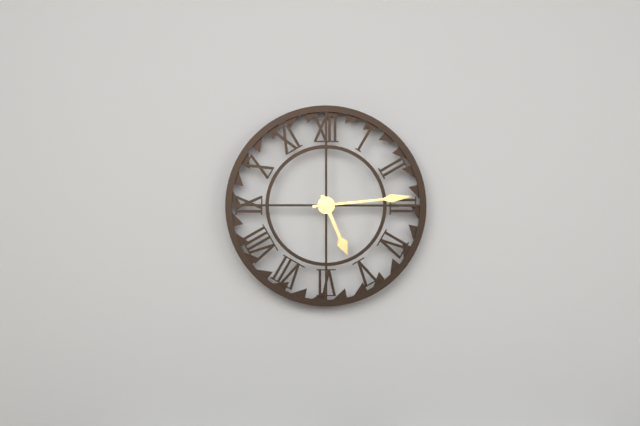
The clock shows 5.14
